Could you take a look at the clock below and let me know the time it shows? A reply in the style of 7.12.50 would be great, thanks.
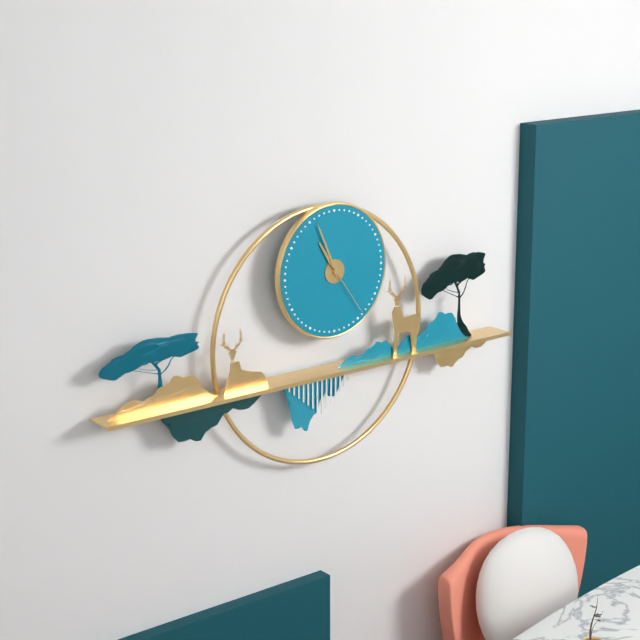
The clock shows 10.56.24
